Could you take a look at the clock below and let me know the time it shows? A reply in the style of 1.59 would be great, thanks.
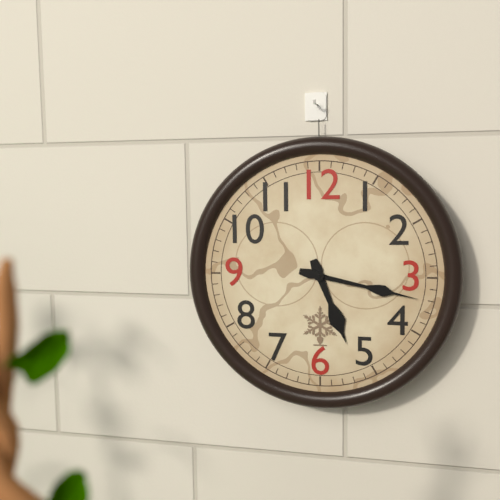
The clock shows 5.17
